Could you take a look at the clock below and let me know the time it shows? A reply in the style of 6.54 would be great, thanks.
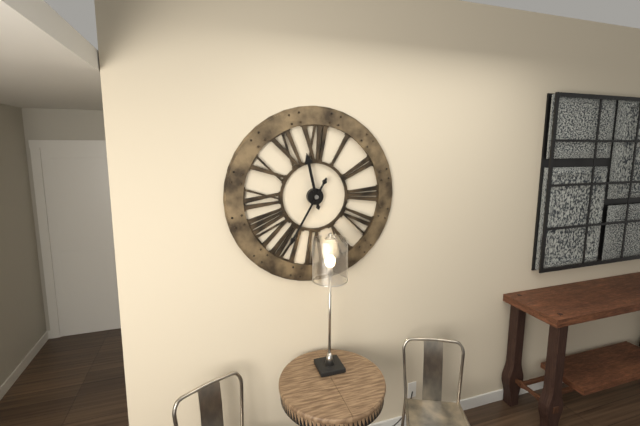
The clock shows 11.35
